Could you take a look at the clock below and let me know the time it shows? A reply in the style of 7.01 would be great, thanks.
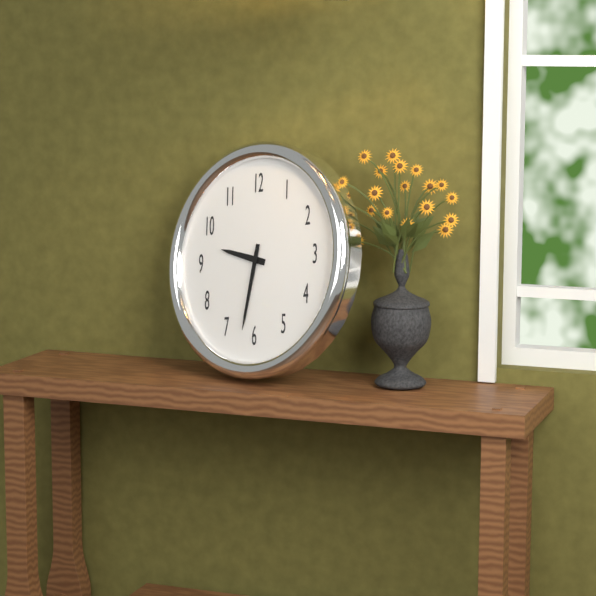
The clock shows 9.32
